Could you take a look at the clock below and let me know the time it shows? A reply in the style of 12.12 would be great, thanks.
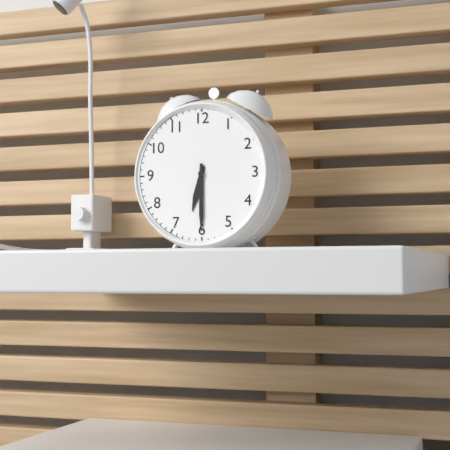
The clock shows 6.30
